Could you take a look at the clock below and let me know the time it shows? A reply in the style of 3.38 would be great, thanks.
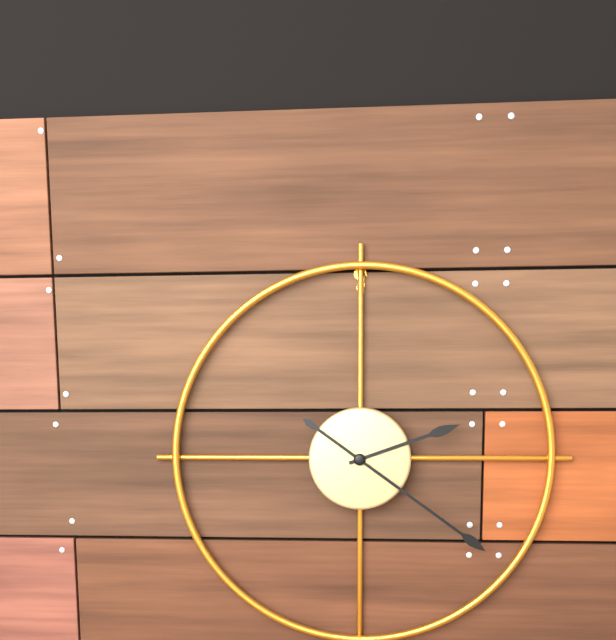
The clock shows 2.21
